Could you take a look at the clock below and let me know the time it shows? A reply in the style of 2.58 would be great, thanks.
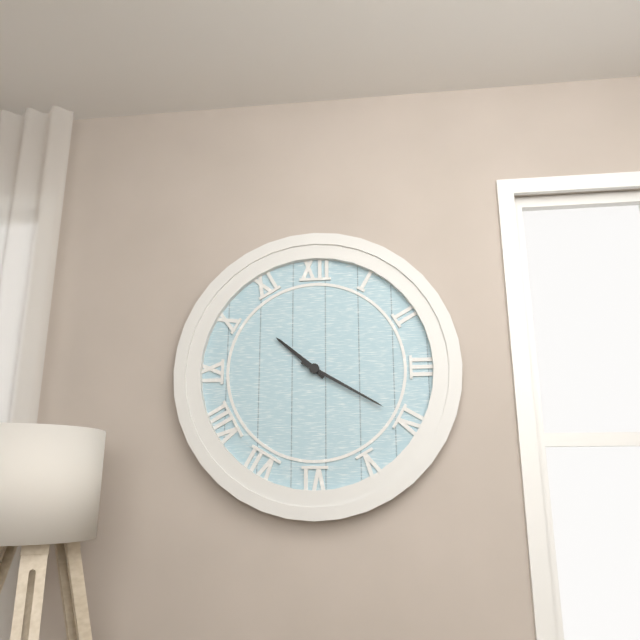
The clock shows 10.20
